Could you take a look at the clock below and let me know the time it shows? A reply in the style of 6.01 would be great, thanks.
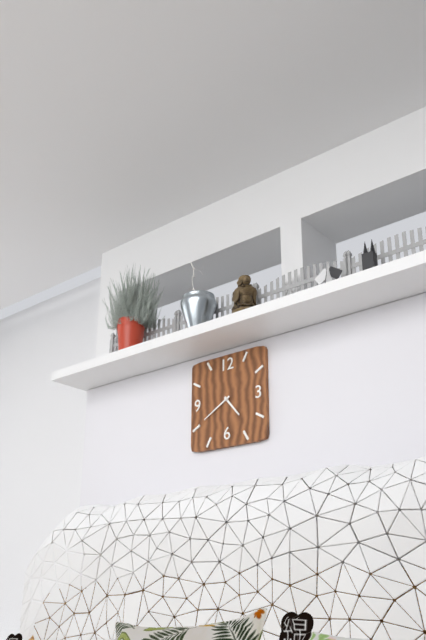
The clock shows 4.40
